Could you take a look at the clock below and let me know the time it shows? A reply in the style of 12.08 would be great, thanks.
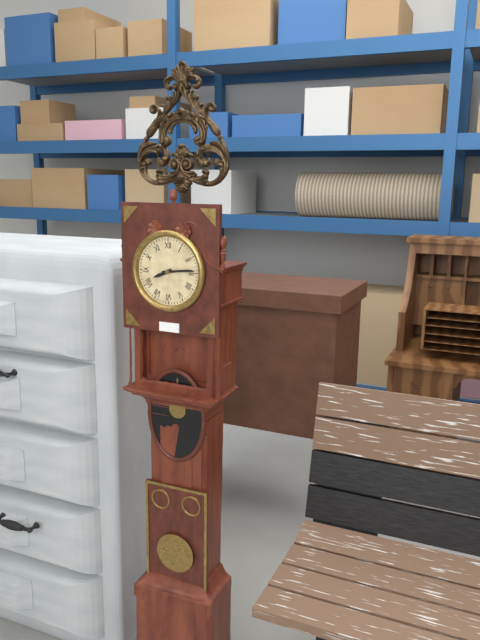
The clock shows 8.14
